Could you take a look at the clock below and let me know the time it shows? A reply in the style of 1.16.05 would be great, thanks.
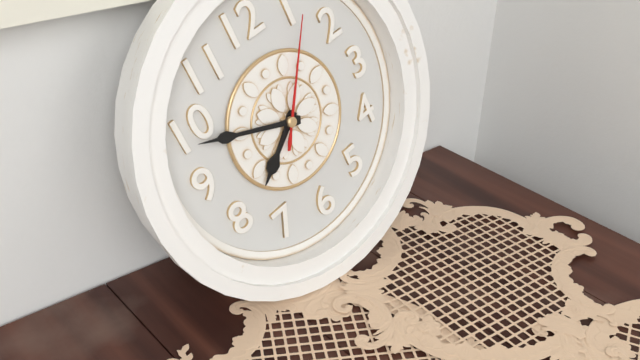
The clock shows 7.49.06
